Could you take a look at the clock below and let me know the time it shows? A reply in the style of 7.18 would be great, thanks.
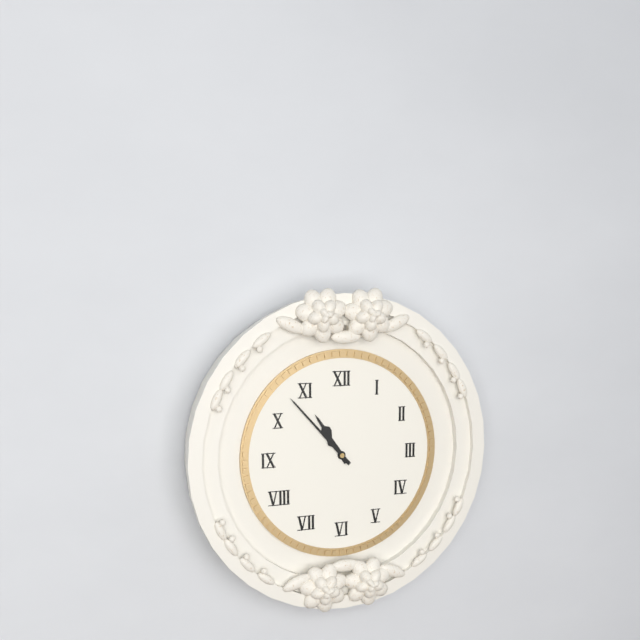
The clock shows 10.53
